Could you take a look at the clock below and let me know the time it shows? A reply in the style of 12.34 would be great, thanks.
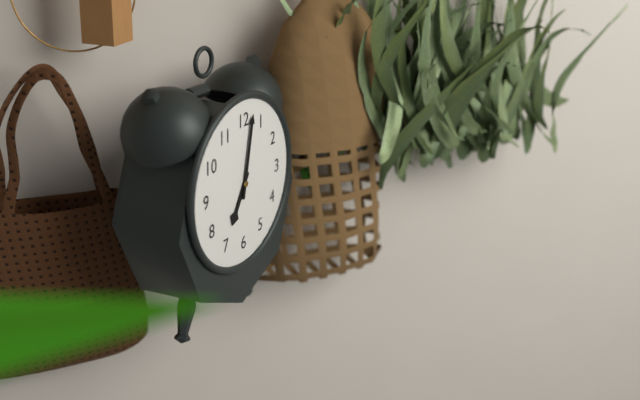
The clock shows 7.02
